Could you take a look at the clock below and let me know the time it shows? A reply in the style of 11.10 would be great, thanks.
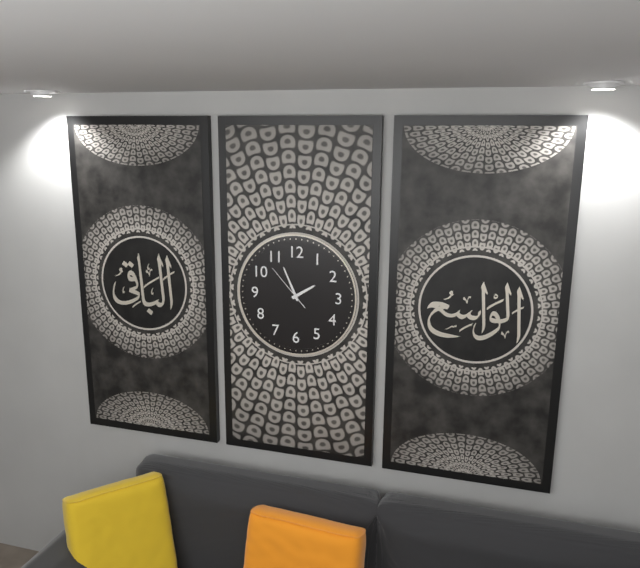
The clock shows 1.56
